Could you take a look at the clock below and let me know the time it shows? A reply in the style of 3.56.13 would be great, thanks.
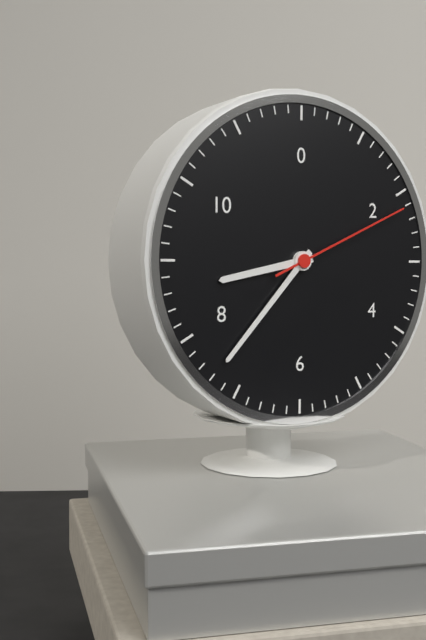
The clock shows 8.37.11
